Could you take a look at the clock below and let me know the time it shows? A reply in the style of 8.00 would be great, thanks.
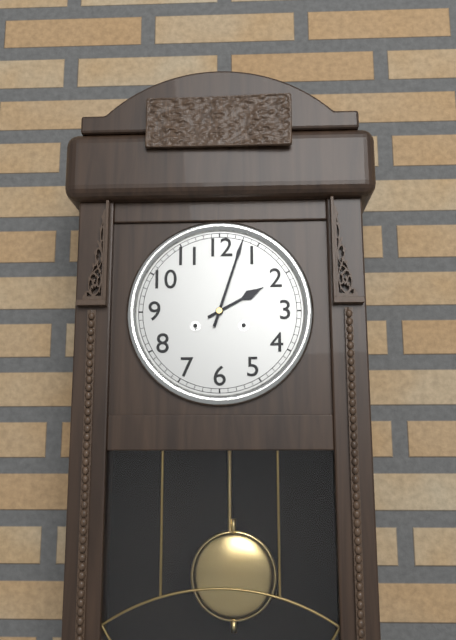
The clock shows 2.03
